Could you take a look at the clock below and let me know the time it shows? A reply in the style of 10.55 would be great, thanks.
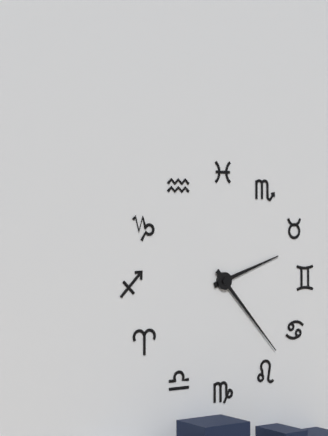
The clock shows 2.23
